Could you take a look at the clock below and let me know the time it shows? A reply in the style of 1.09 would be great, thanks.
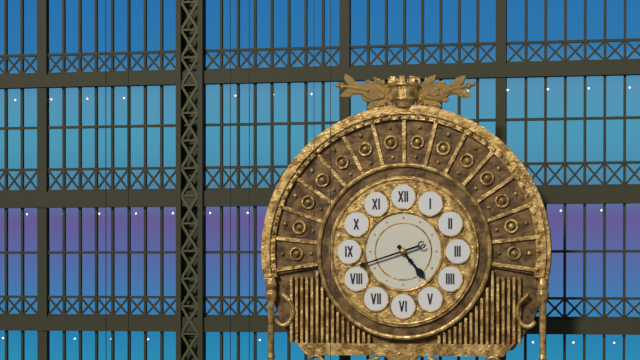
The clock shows 4.42
